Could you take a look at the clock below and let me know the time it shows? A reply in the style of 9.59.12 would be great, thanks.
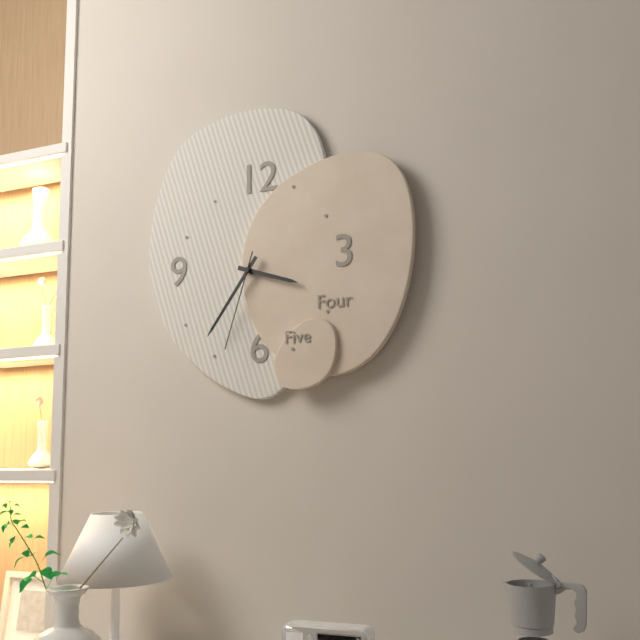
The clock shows 3.36.33
